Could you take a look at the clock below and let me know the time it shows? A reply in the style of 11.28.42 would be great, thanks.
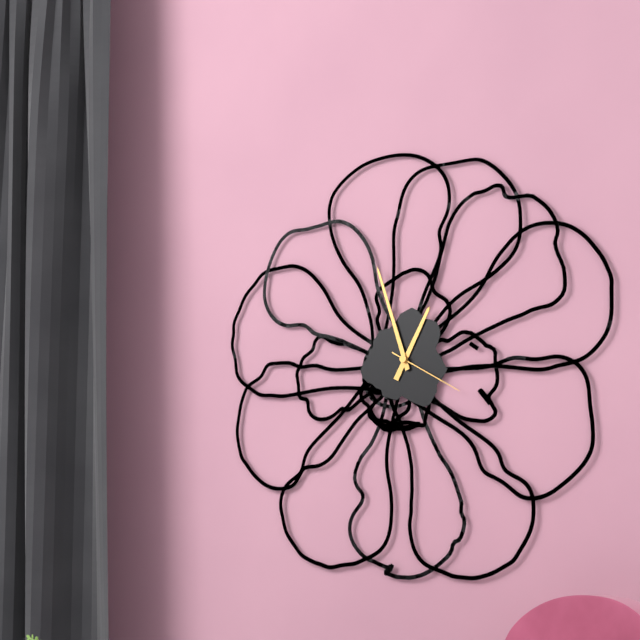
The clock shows 12.57.20
